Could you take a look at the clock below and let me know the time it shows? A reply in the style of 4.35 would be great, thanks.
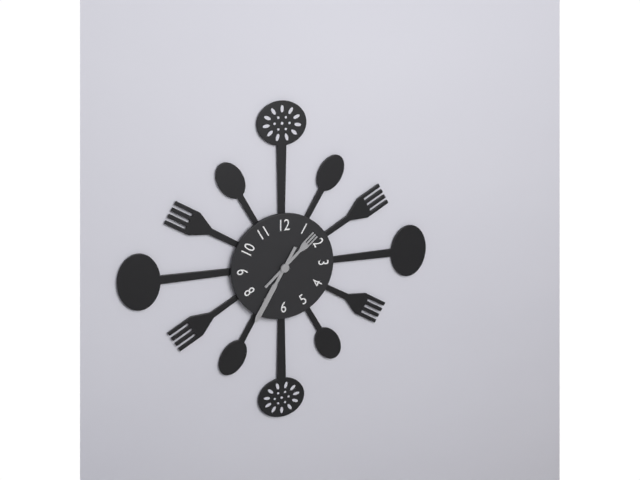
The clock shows 1.35
